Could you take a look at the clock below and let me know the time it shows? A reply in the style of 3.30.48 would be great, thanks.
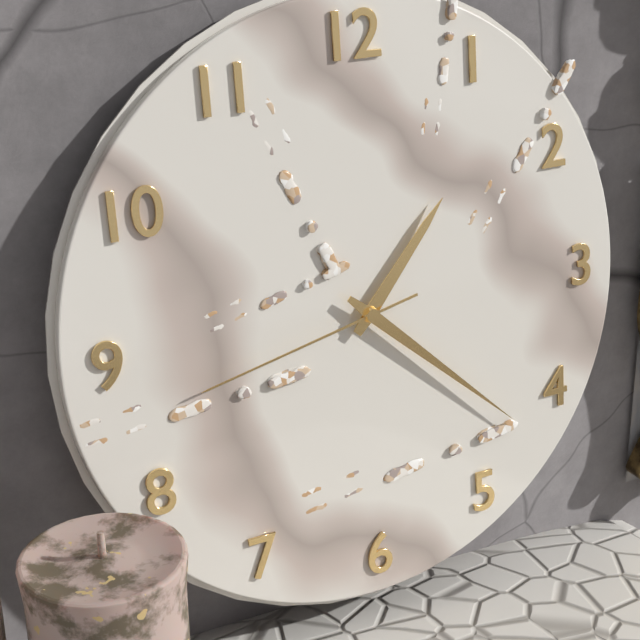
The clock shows 1.22.43
